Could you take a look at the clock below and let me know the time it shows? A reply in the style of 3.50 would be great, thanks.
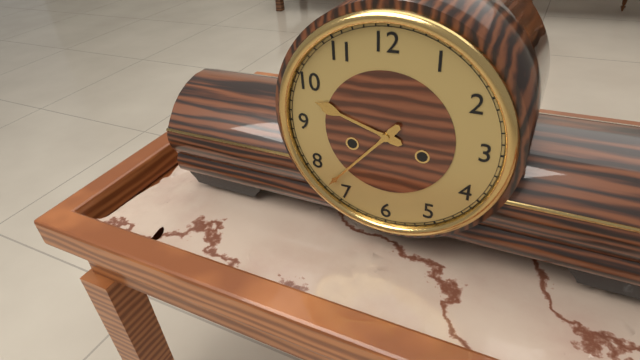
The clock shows 9.37
